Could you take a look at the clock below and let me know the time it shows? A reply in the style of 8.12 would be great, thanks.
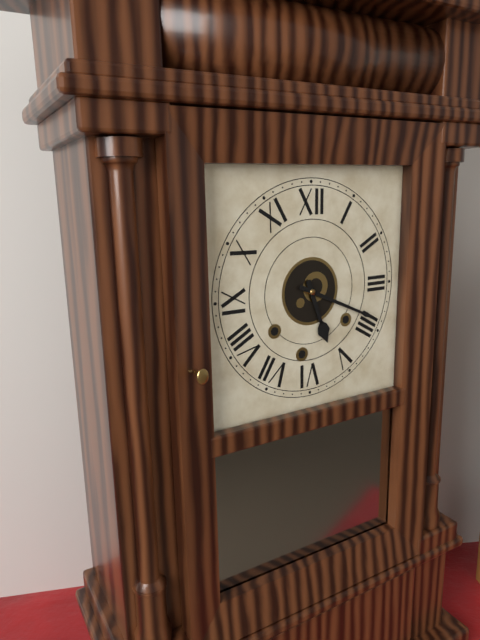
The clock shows 5.19
